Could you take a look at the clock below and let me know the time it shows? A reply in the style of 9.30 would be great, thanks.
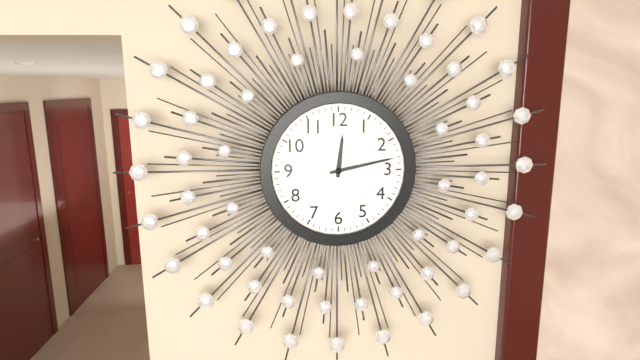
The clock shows 12.13
